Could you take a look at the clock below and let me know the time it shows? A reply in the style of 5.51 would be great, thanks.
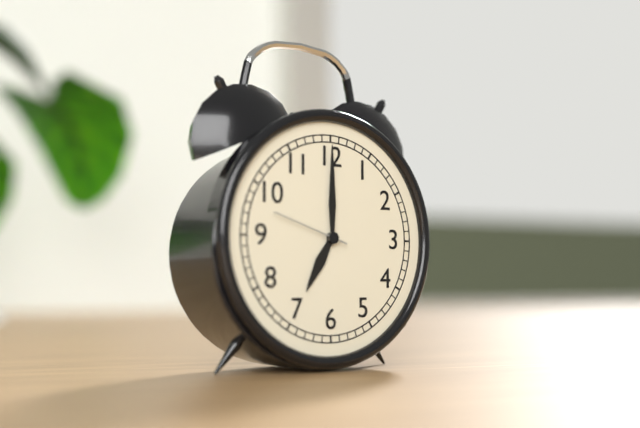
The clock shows 7.00
